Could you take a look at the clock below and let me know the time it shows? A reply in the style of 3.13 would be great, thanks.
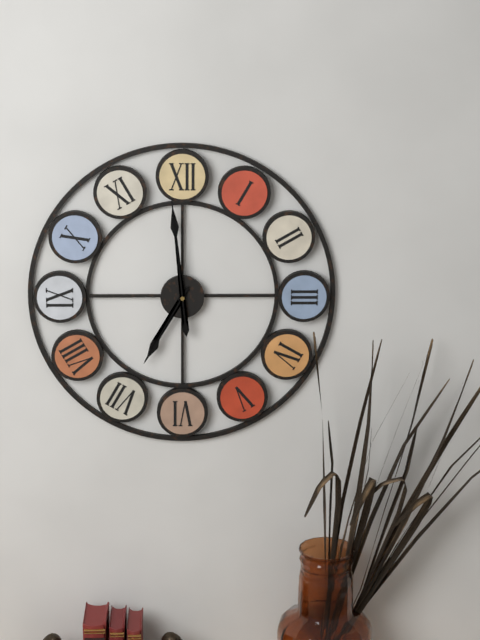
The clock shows 6.59
